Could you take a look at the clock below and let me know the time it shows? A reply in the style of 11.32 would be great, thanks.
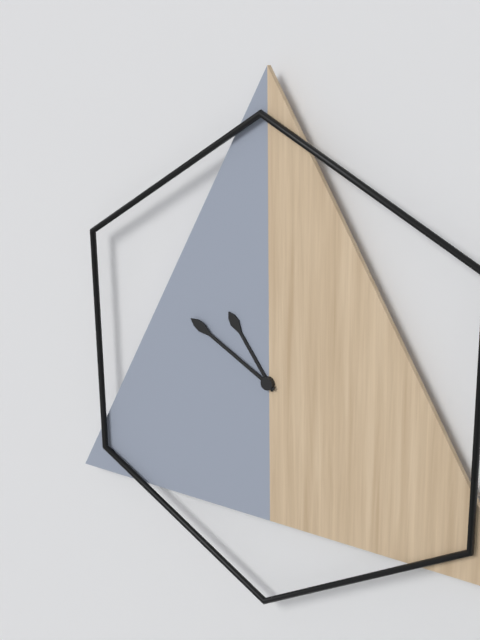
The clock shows 10.50
